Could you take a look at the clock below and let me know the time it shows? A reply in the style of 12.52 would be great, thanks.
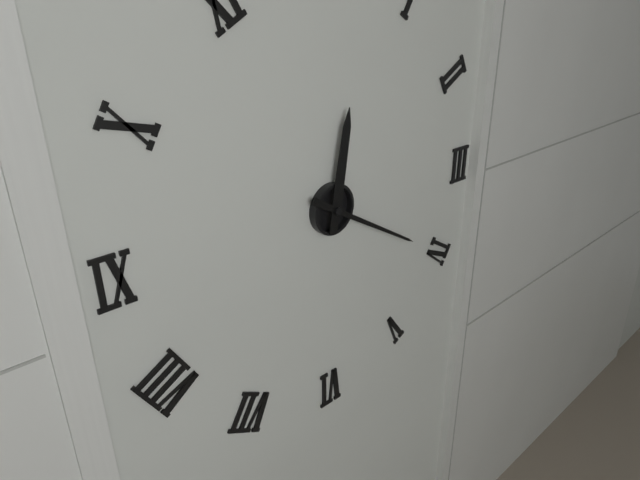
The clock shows 12.20
